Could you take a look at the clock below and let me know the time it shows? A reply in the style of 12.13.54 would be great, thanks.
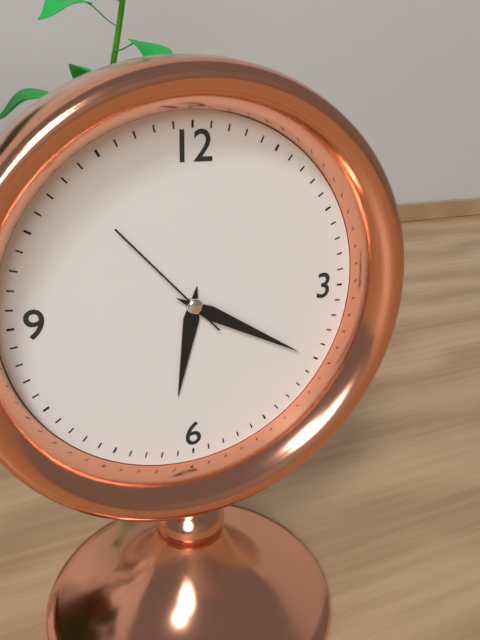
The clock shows 6.20.53
